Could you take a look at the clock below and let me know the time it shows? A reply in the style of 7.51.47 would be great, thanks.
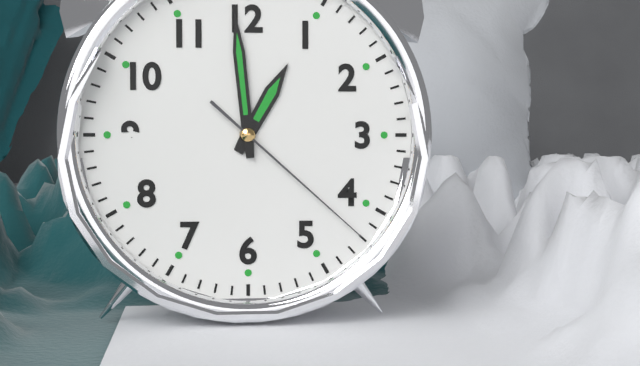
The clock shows 12.59.22
